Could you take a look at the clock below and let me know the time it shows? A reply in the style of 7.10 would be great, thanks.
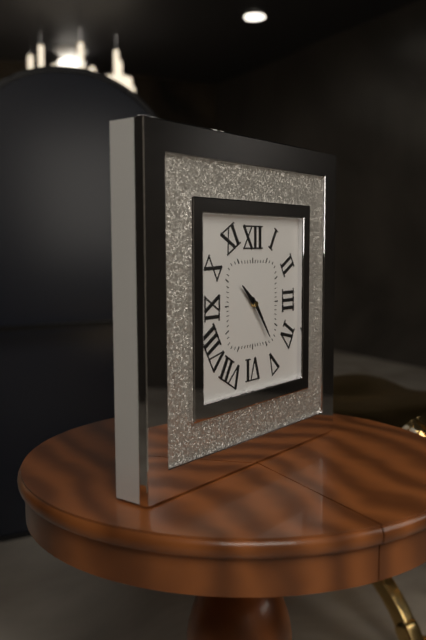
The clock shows 10.24
